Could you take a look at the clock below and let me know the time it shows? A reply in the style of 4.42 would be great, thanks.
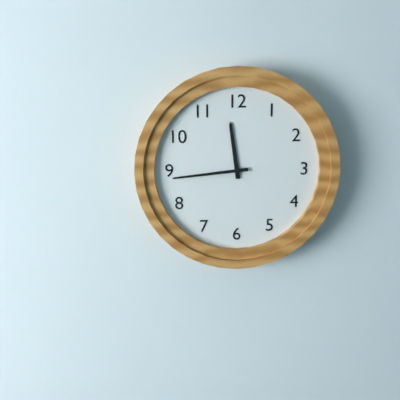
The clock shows 11.44
